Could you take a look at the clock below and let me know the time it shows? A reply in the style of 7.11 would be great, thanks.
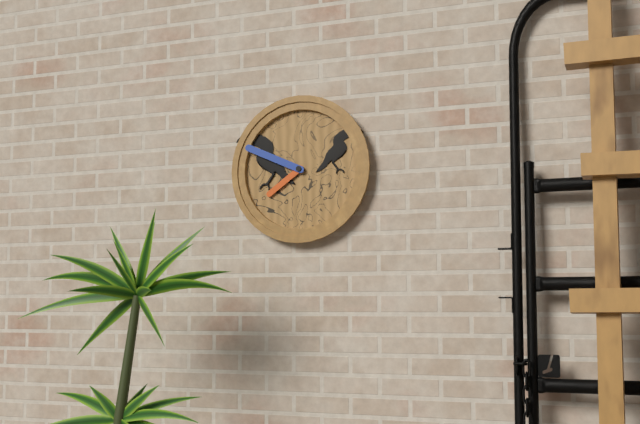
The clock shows 7.49
